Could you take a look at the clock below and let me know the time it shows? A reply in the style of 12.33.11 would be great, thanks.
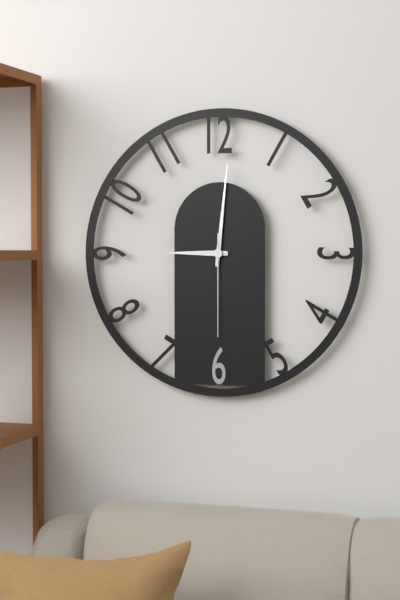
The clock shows 9.01.30
